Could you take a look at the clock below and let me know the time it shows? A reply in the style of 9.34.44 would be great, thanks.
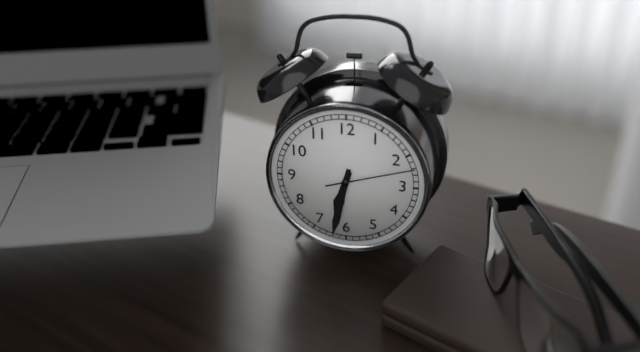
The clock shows 6.32.12
